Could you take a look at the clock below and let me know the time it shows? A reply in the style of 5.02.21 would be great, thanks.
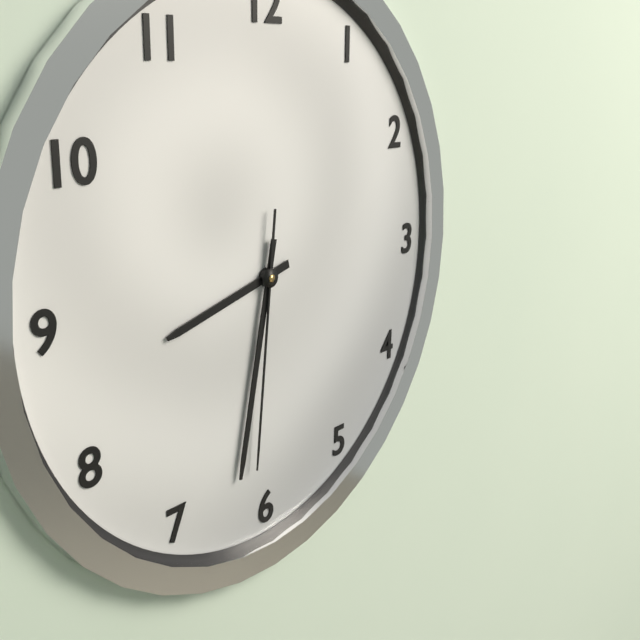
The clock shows 8.32.31
